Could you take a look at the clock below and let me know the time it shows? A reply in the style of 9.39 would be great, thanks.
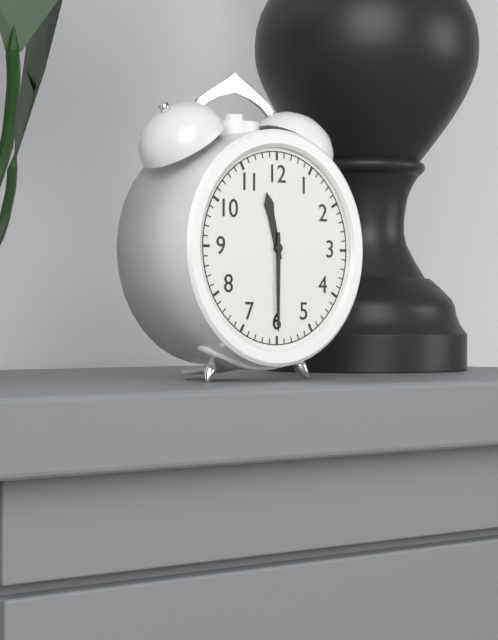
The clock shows 11.30
